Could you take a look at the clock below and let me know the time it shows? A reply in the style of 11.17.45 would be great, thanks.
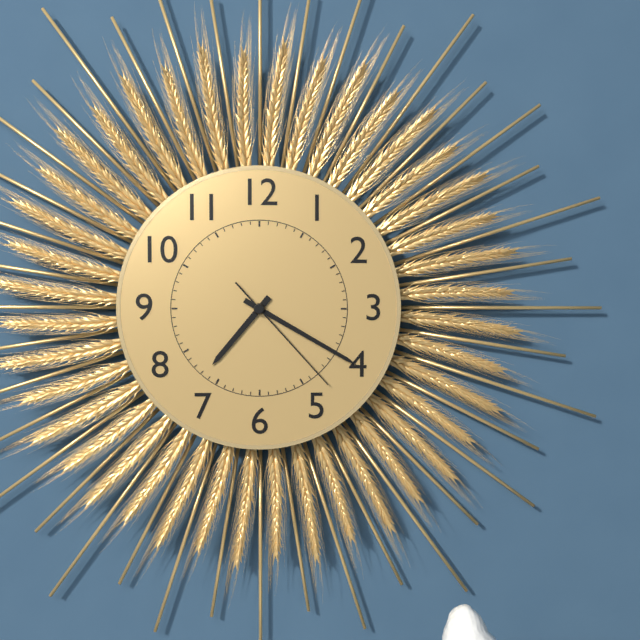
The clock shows 7.20.23
